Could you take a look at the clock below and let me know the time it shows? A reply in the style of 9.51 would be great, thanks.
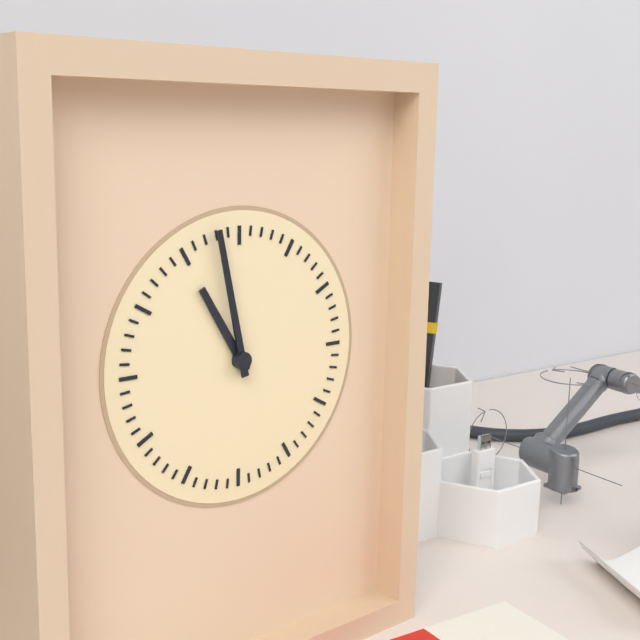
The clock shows 10.58
